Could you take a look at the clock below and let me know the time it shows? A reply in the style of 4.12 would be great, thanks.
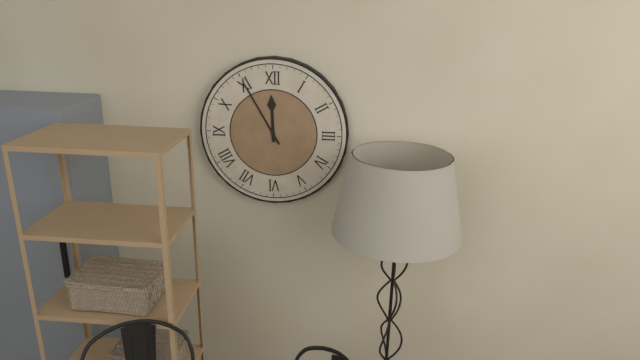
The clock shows 11.55
